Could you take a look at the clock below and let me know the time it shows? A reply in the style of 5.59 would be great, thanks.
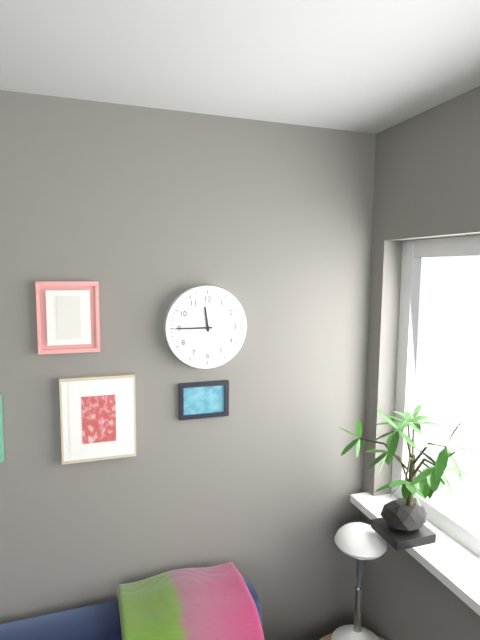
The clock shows 11.45
